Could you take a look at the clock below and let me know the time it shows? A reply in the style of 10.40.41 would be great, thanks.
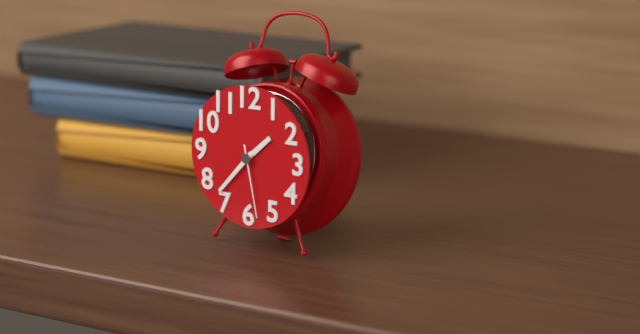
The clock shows 1.37.28
